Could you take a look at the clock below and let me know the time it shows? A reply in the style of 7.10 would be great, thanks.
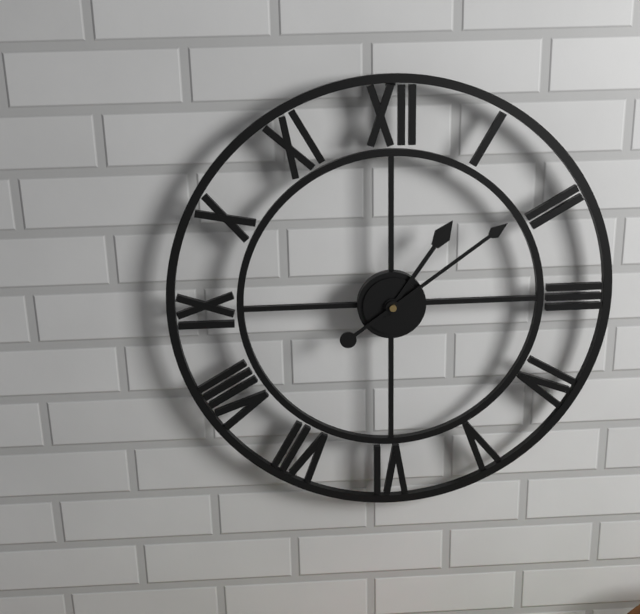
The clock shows 1.09
